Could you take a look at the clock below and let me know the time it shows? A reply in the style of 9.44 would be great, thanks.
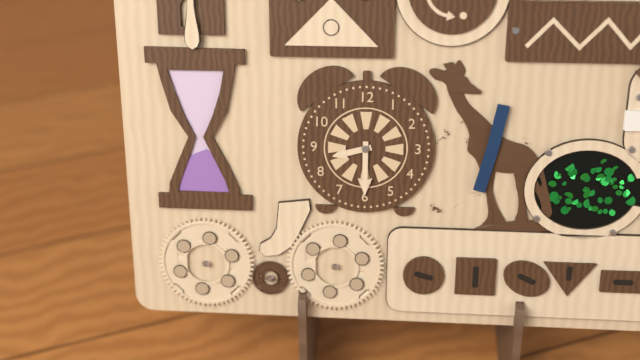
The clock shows 8.30
